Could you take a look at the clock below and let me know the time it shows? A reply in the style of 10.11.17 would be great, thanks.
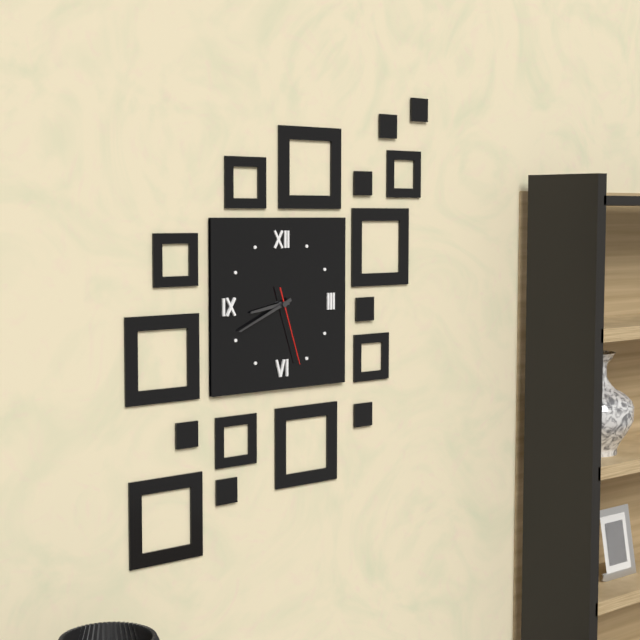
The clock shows 8.41.27
